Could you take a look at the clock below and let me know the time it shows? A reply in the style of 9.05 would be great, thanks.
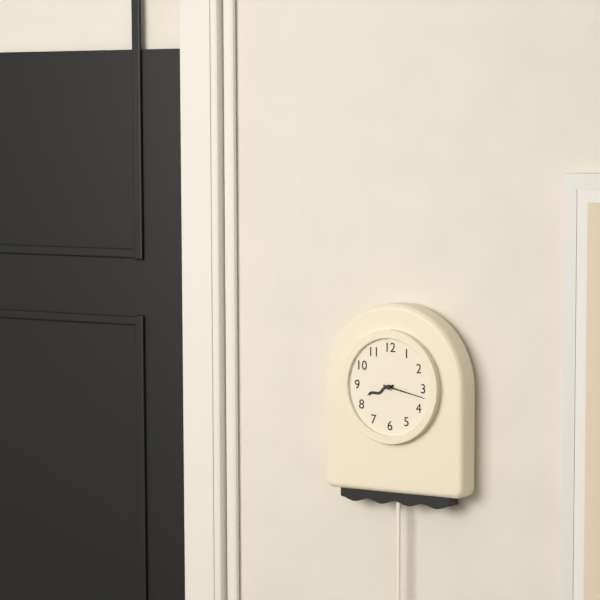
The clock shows 8.17
